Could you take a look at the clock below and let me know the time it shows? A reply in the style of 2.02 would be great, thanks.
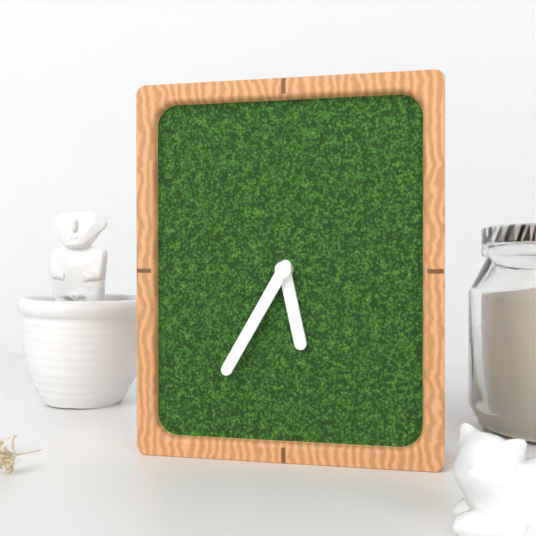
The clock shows 5.35
